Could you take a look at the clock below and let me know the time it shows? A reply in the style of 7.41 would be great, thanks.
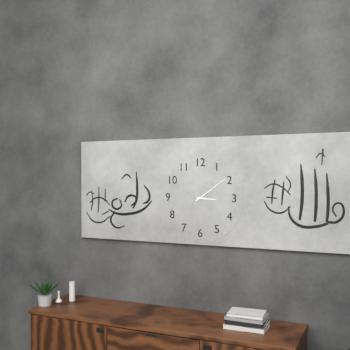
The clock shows 3.09
